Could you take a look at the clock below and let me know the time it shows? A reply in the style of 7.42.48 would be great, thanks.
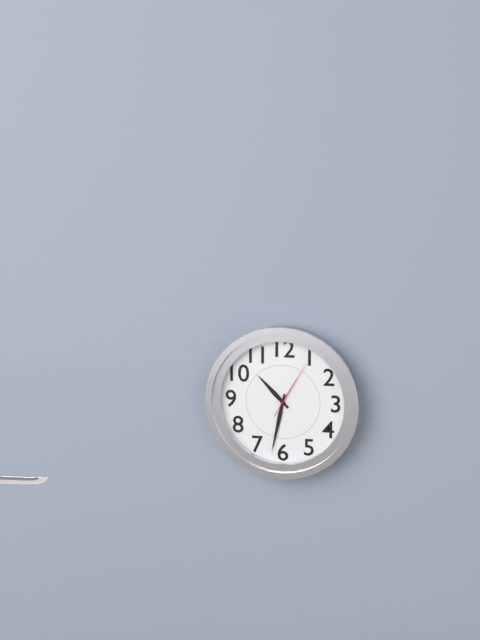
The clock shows 10.32.05
